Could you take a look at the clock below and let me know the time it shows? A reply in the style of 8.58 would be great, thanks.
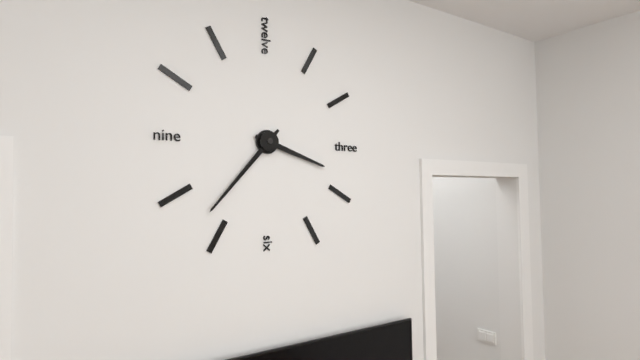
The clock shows 3.37
